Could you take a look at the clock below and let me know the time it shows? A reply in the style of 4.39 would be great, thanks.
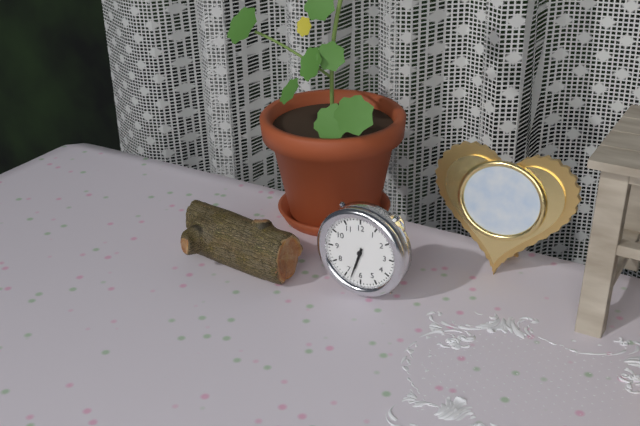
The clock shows 6.33
